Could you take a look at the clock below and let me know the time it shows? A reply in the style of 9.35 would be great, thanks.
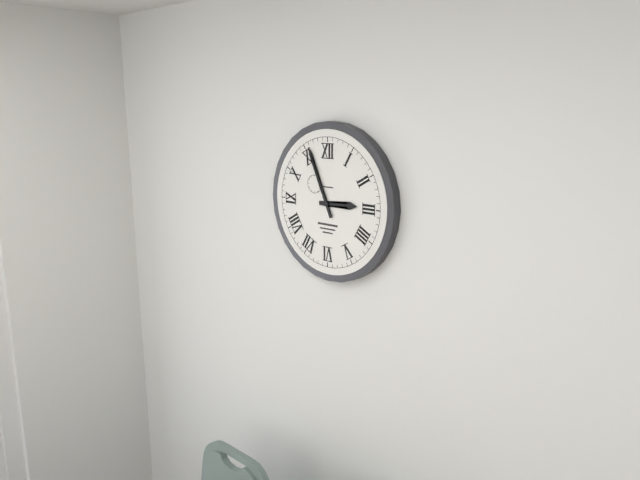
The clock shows 2.56
